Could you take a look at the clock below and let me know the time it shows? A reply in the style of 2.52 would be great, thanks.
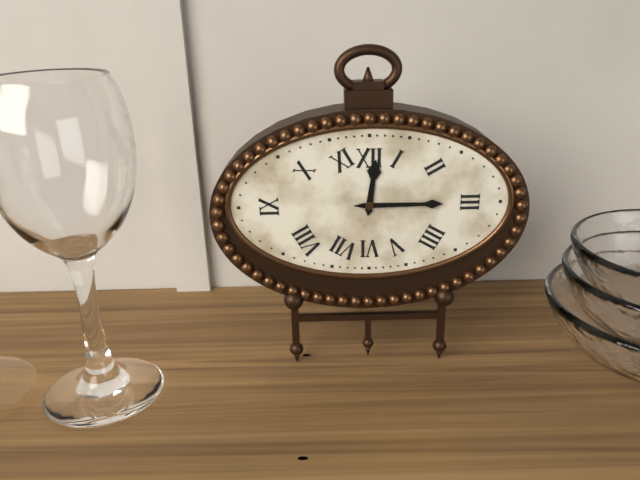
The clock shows 12.15
